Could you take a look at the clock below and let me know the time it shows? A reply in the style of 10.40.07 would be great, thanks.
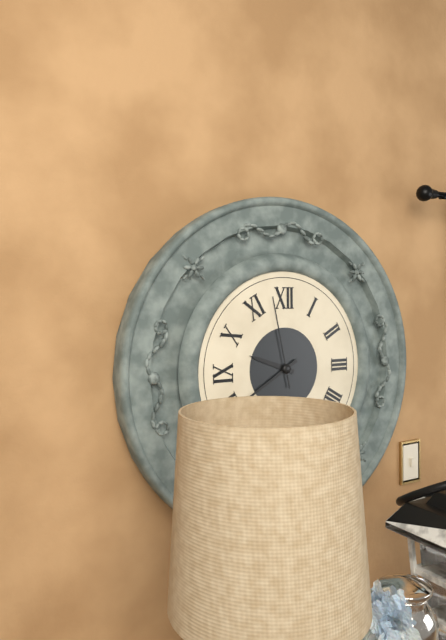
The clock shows 9.40.58
